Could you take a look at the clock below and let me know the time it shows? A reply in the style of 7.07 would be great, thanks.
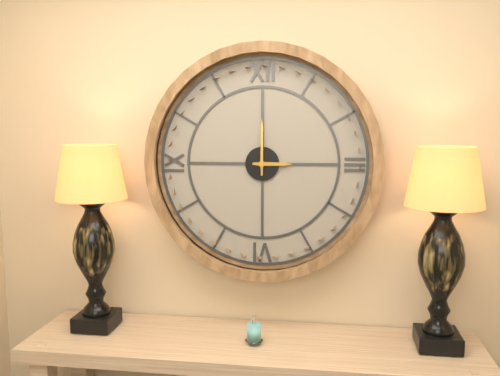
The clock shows 3.00
